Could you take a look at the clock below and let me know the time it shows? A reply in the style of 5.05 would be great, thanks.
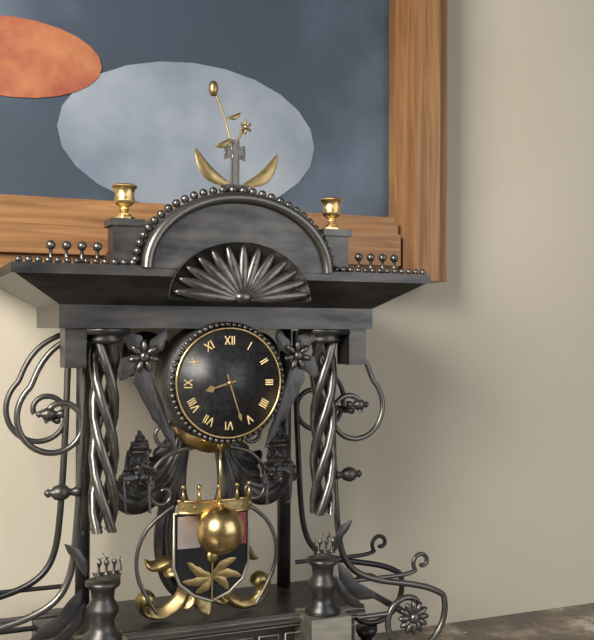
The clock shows 8.27
